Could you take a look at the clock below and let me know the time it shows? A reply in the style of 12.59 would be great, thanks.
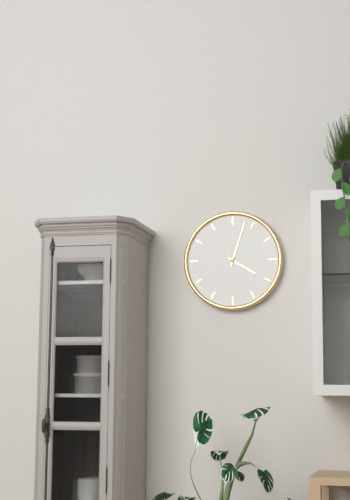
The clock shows 4.03
